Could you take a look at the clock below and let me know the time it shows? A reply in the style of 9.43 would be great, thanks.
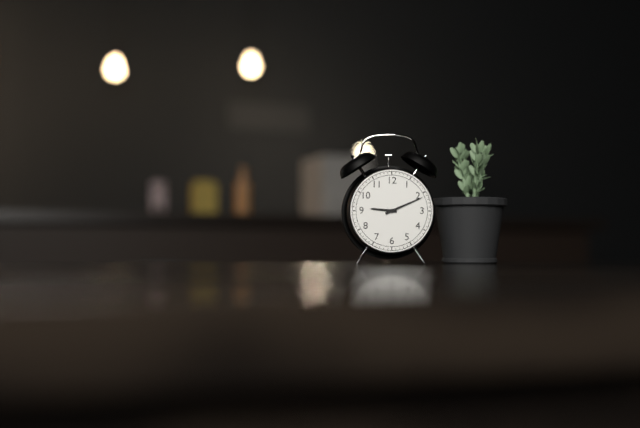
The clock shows 9.11
